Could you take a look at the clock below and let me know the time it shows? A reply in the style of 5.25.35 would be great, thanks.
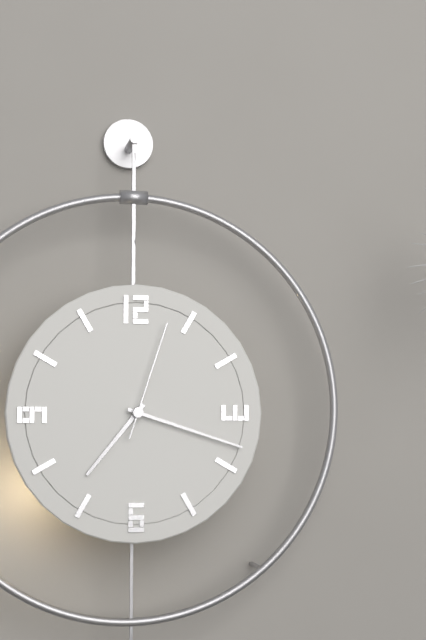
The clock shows 7.18.03
